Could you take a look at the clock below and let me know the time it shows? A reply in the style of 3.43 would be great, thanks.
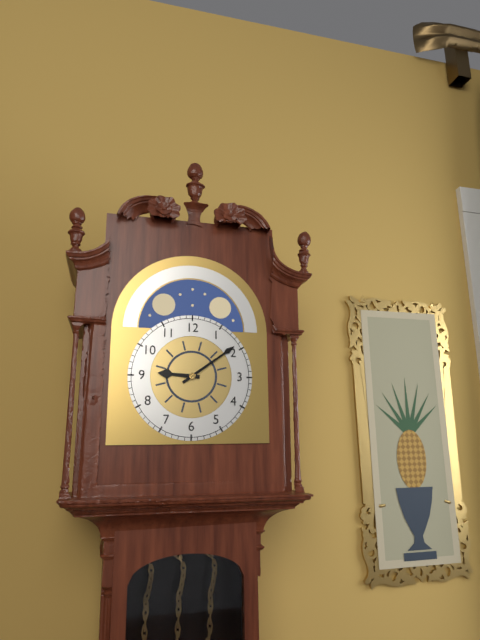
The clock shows 9.09
